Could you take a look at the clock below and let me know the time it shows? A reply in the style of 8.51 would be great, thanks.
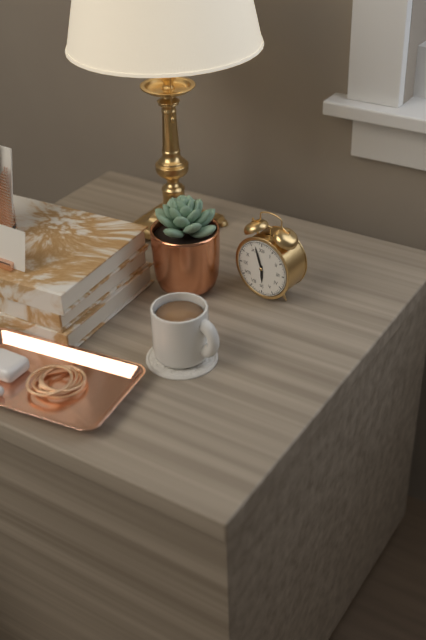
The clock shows 5.57
